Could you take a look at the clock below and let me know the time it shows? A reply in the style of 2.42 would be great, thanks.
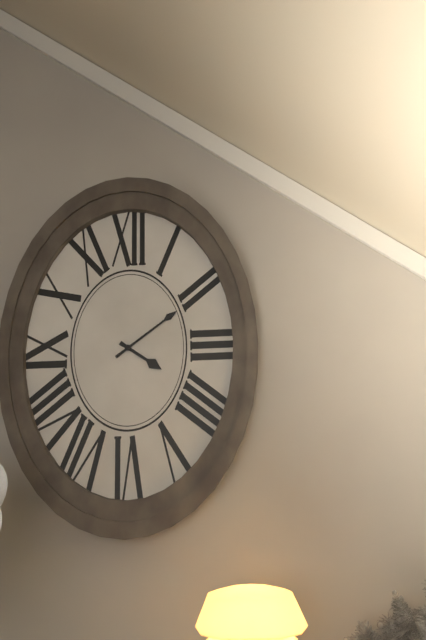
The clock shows 4.09
